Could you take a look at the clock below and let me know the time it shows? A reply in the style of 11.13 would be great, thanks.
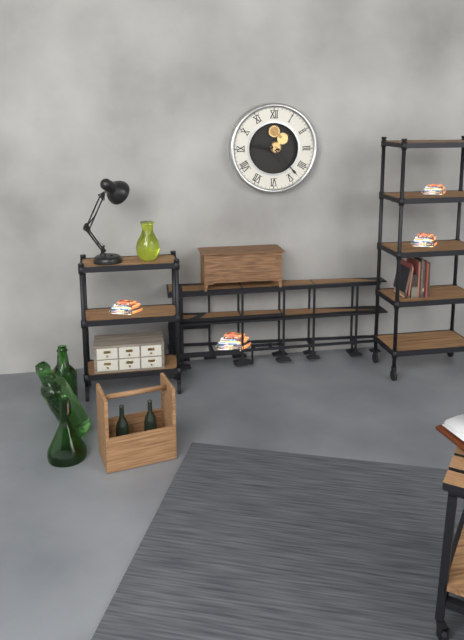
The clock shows 9.23
